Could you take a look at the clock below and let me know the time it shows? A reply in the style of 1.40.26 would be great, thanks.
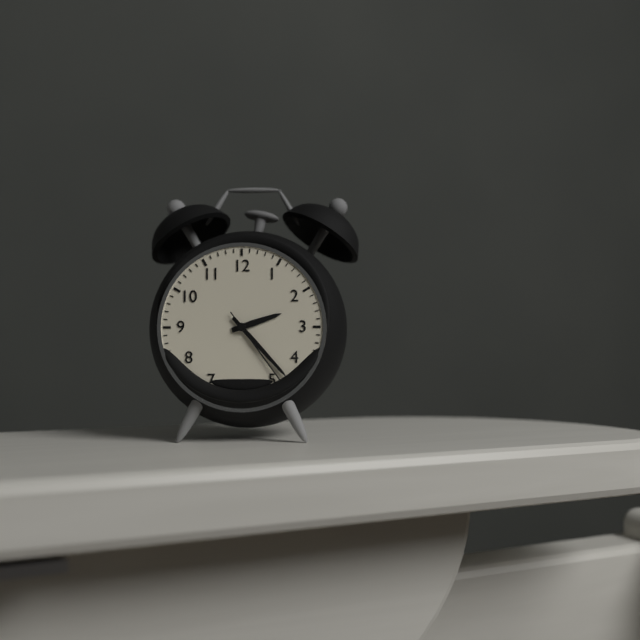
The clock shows 2.23.24
